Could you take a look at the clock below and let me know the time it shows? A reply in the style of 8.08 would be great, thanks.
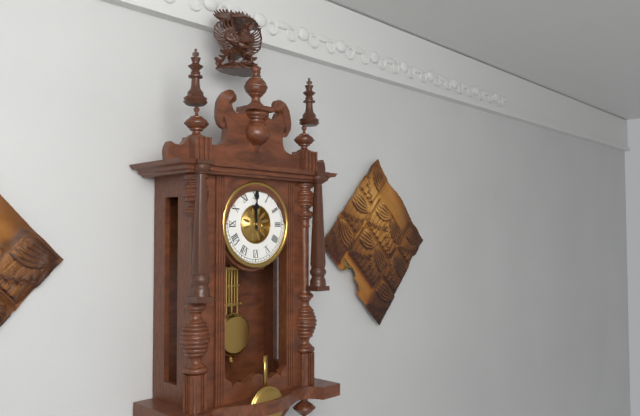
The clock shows 12.00
